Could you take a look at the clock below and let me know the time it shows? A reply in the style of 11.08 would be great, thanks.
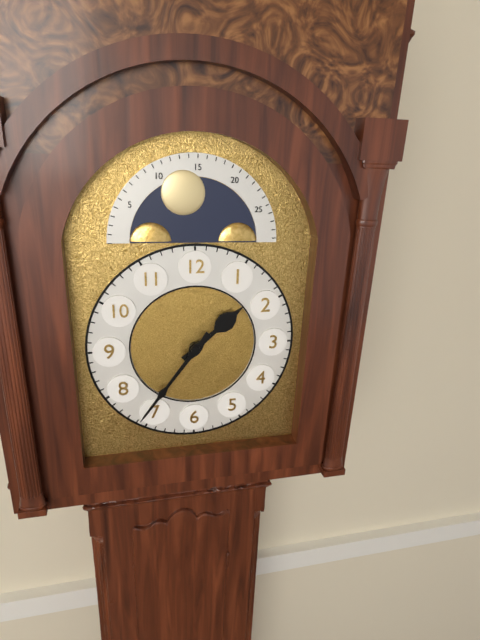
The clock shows 1.36
